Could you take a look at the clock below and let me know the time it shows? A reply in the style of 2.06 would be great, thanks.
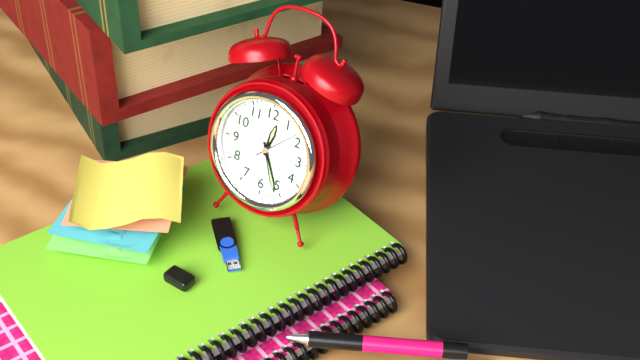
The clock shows 12.26
